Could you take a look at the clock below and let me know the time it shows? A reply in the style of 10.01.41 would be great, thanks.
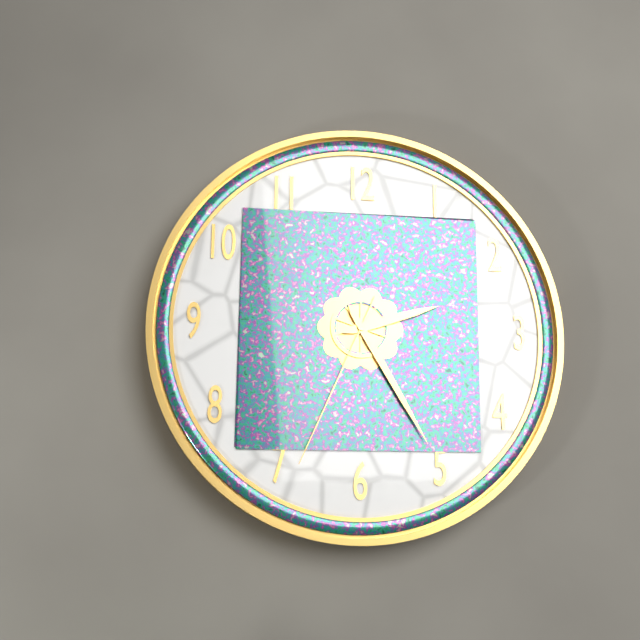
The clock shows 2.25.34
